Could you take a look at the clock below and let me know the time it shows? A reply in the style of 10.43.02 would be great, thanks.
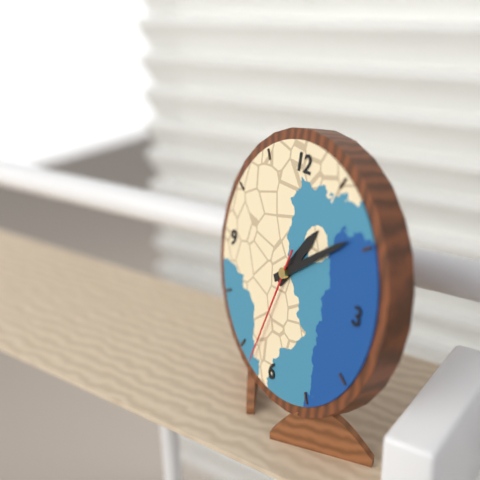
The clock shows 1.09.33
